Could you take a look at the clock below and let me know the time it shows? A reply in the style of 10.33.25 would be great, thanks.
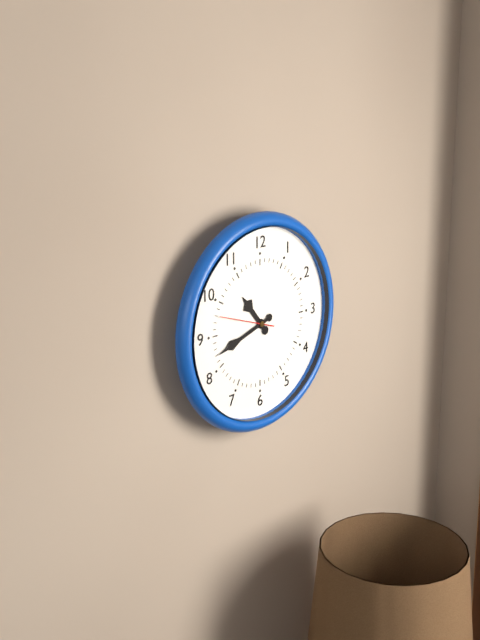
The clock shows 10.42.48
